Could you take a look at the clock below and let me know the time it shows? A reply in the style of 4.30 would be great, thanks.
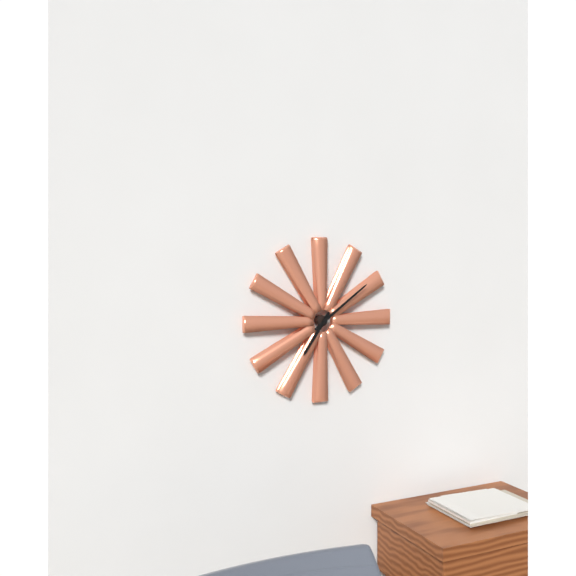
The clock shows 7.09
